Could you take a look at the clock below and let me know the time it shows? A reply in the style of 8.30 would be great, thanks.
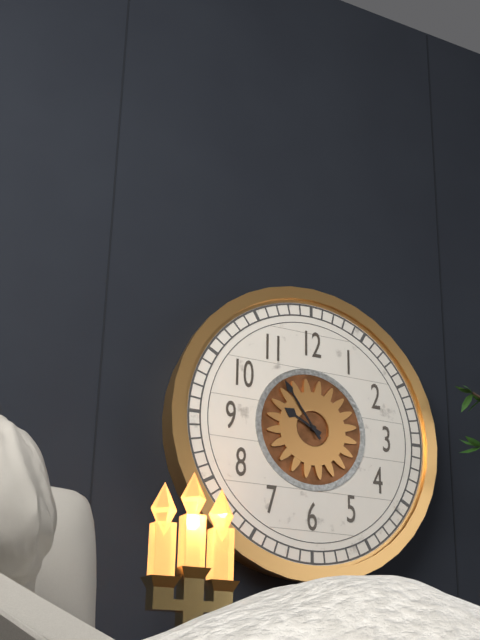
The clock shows 9.54
